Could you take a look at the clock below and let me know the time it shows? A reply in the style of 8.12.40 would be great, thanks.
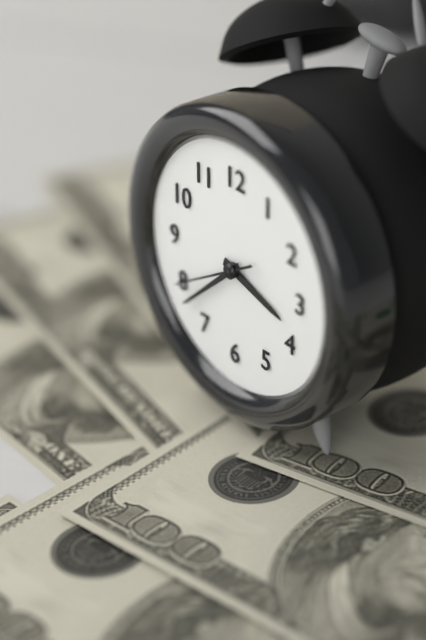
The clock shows 3.38.40
